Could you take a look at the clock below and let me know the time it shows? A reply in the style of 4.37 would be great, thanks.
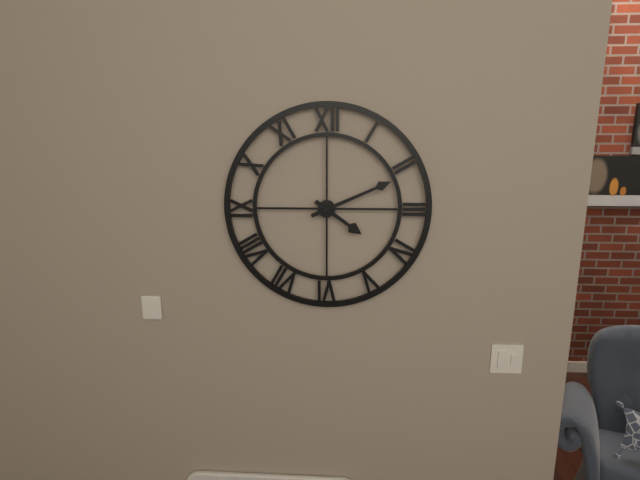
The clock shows 4.11
